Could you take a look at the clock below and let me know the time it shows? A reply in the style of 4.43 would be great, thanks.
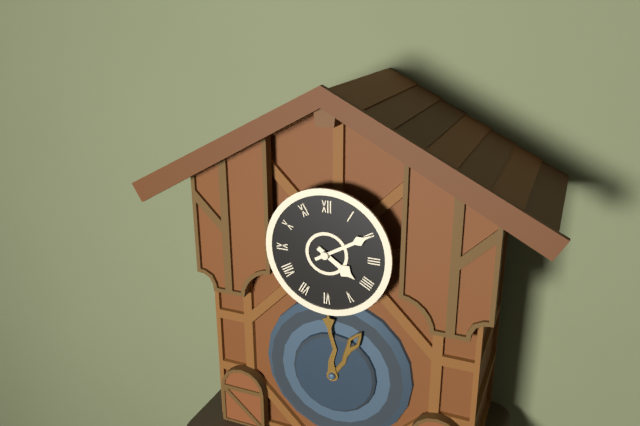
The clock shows 4.10
